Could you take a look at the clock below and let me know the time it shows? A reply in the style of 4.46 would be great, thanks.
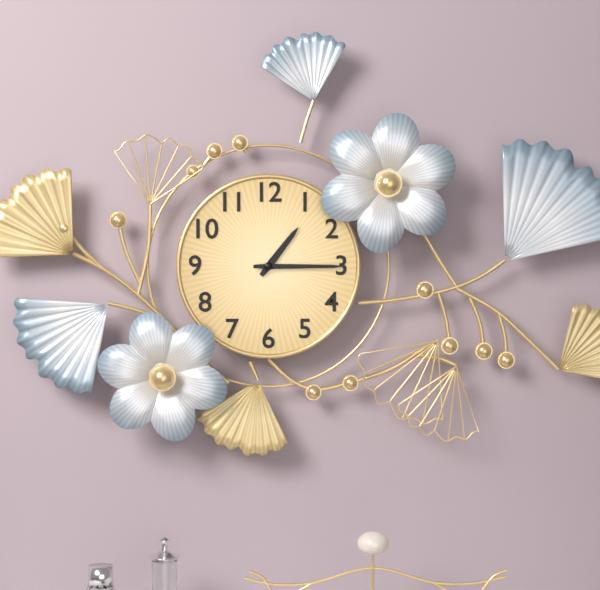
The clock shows 1.15
